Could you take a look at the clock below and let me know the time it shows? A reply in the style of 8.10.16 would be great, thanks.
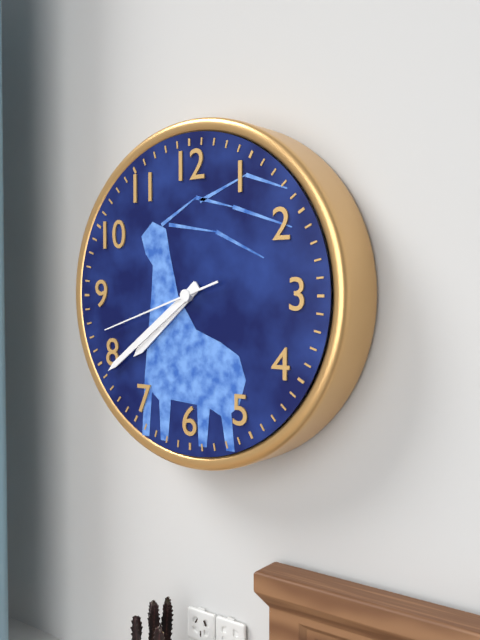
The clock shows 7.39.42
